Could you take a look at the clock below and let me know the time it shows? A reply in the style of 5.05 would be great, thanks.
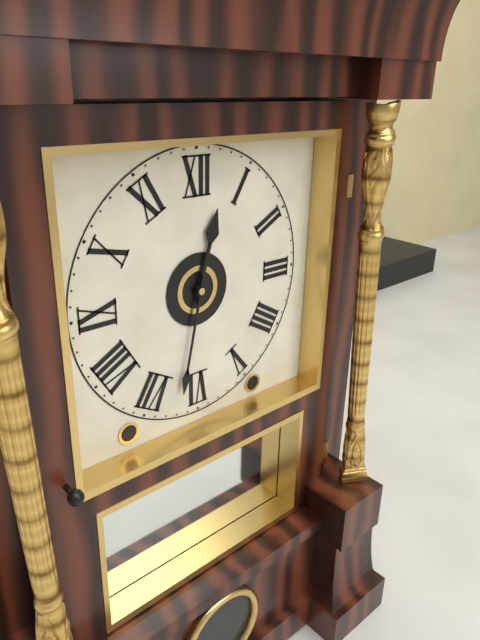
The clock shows 12.32
